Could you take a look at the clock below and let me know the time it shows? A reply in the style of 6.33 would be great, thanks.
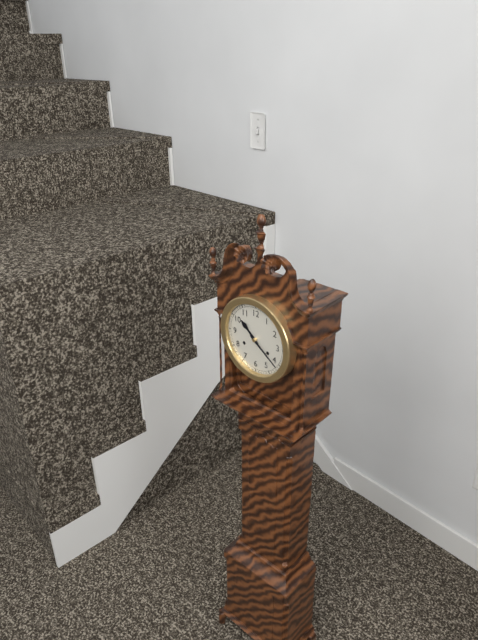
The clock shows 10.21
